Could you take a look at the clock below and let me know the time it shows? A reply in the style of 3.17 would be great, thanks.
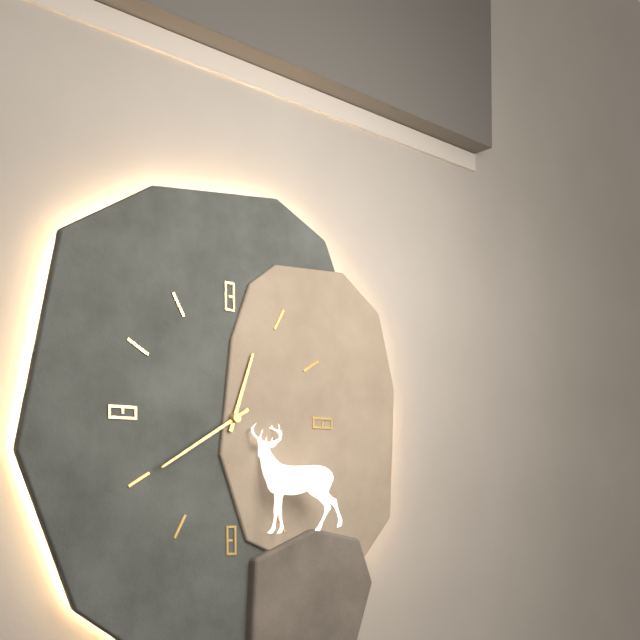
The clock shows 12.40
